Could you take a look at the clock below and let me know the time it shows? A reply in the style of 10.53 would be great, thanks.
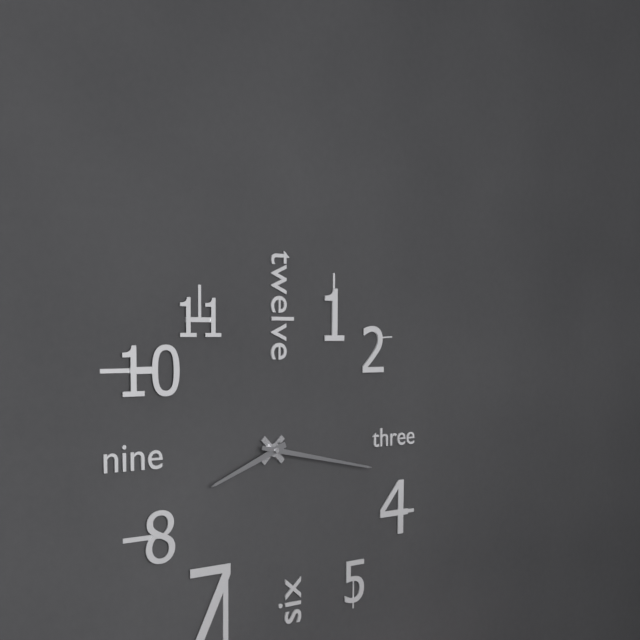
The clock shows 8.17
